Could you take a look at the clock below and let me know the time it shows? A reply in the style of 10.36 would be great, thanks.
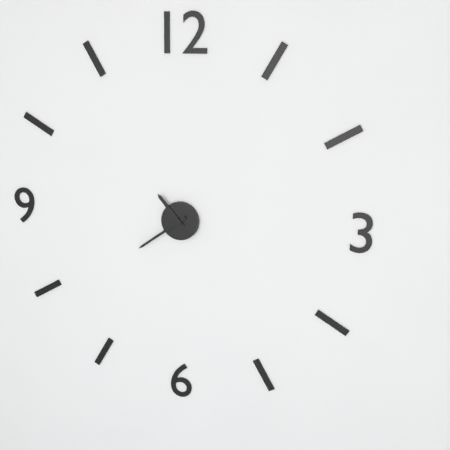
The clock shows 10.39
